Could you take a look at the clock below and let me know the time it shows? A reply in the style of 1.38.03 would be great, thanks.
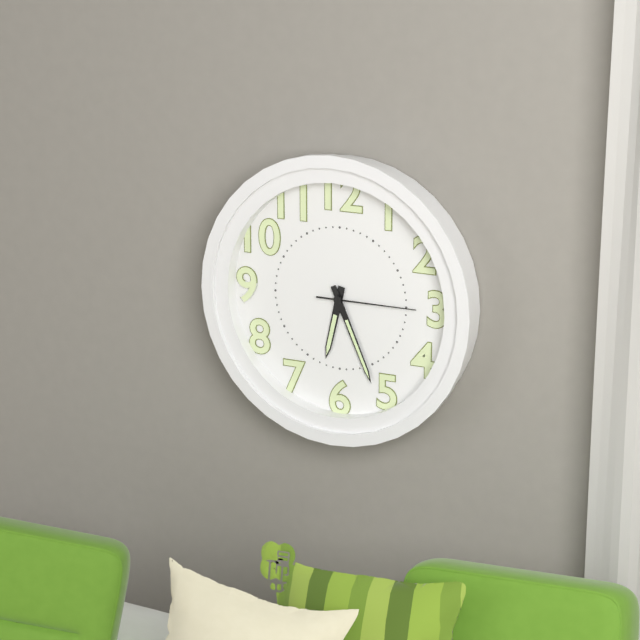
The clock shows 6.26.15
